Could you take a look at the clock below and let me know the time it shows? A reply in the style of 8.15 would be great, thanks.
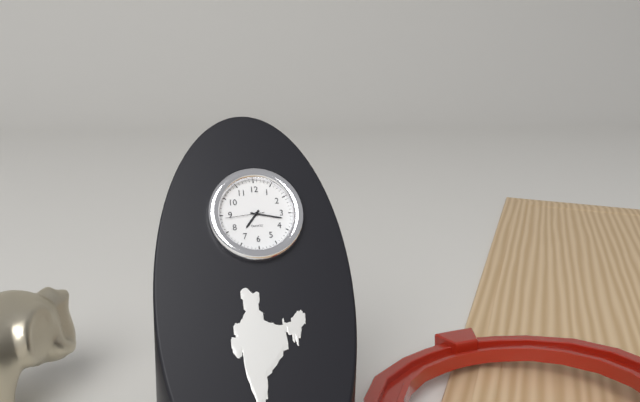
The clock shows 7.17
